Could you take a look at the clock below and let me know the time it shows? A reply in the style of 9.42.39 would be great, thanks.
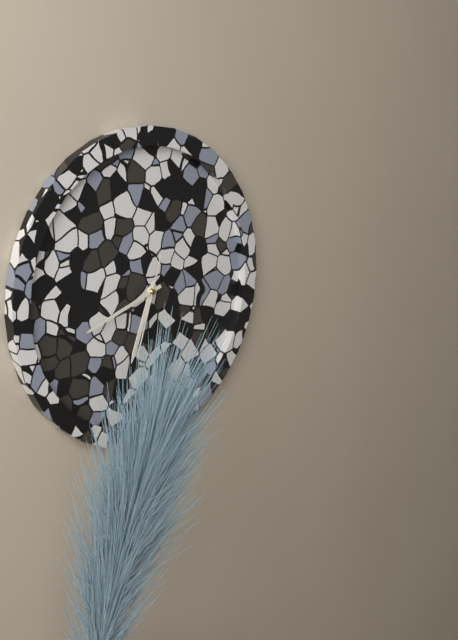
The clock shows 6.42.33
